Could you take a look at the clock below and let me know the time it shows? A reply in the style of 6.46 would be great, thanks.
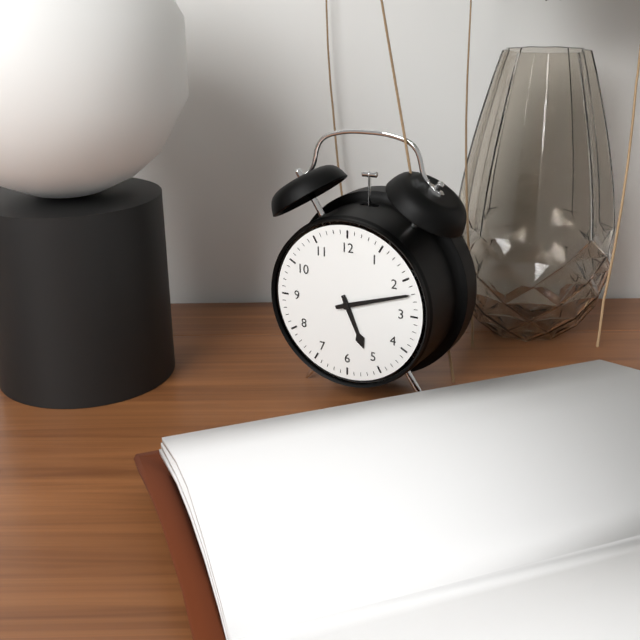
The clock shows 5.12
